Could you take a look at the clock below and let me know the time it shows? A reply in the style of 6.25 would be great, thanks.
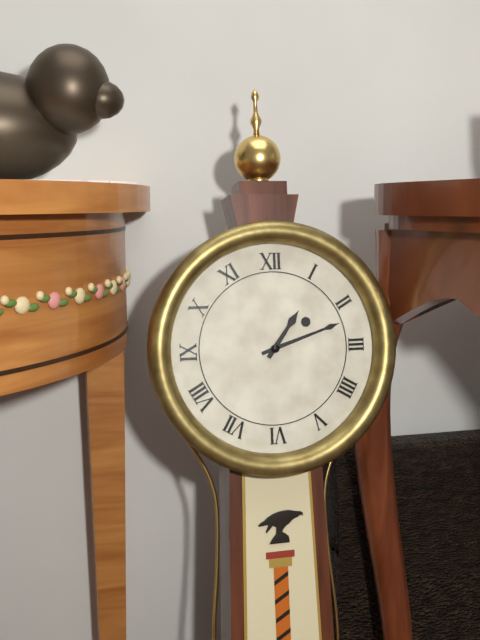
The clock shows 1.12
